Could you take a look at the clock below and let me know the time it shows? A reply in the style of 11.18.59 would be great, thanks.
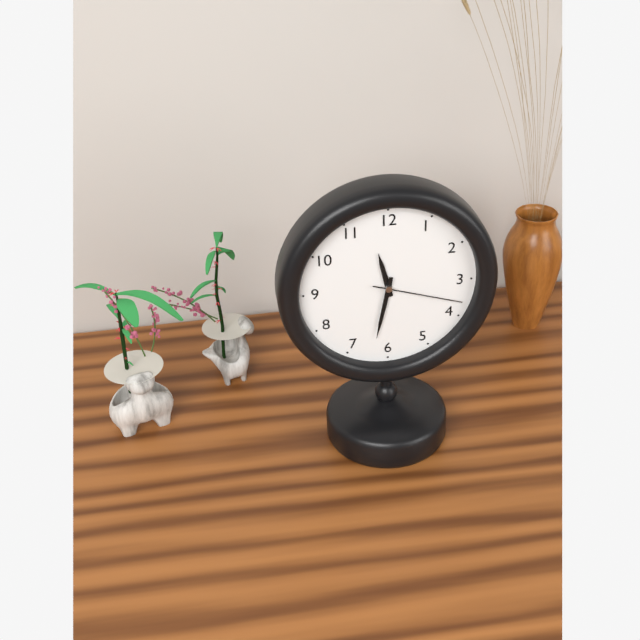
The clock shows 11.32.18
